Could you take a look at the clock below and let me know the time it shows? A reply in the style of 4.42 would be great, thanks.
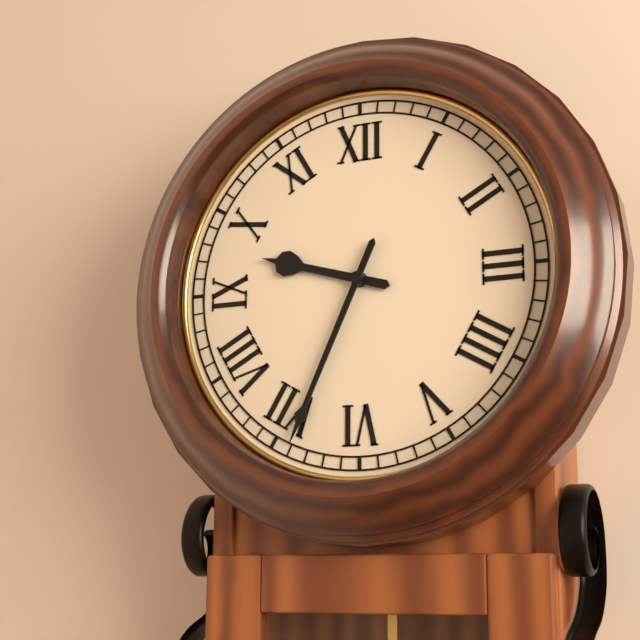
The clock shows 9.34
